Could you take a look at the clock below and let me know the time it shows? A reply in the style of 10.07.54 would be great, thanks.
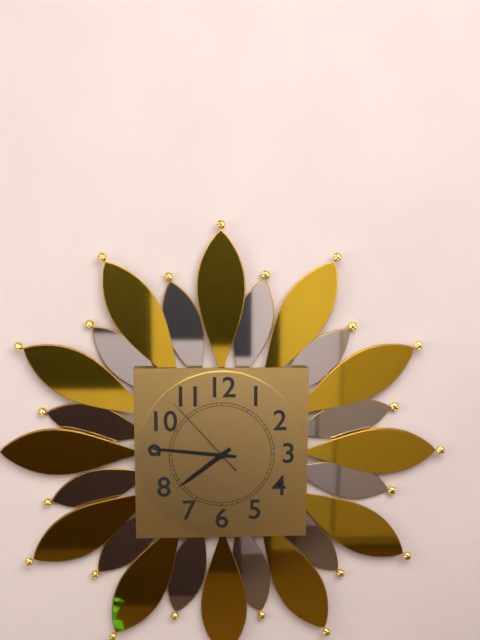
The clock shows 7.46.53
